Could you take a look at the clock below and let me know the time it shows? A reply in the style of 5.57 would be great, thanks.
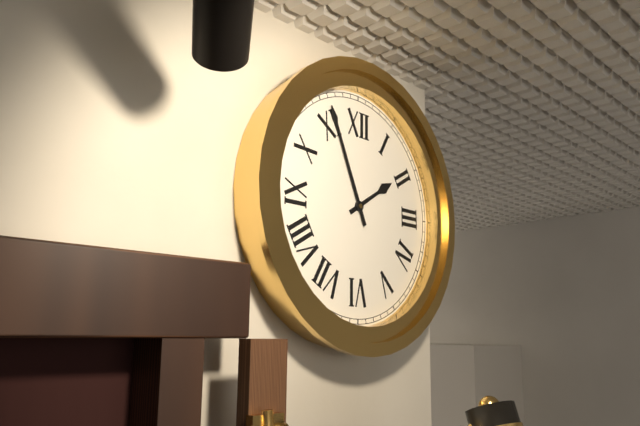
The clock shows 1.56
